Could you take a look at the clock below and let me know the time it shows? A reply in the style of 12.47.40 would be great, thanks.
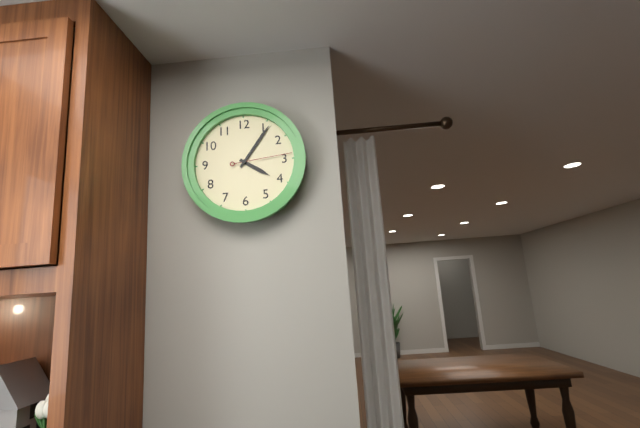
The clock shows 4.06.14
